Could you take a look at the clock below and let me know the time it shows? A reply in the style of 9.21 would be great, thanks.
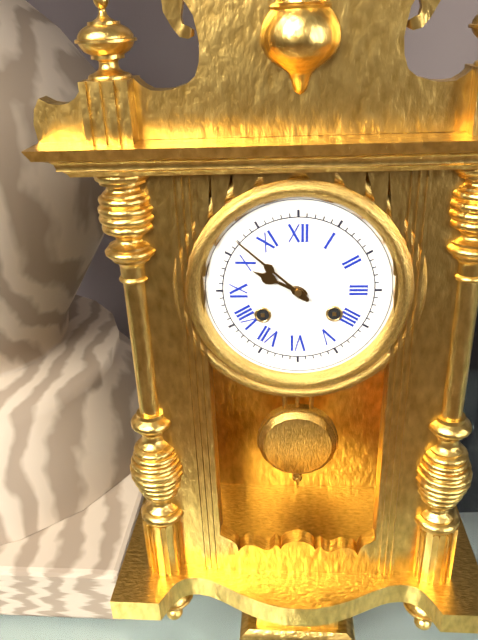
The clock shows 9.52
